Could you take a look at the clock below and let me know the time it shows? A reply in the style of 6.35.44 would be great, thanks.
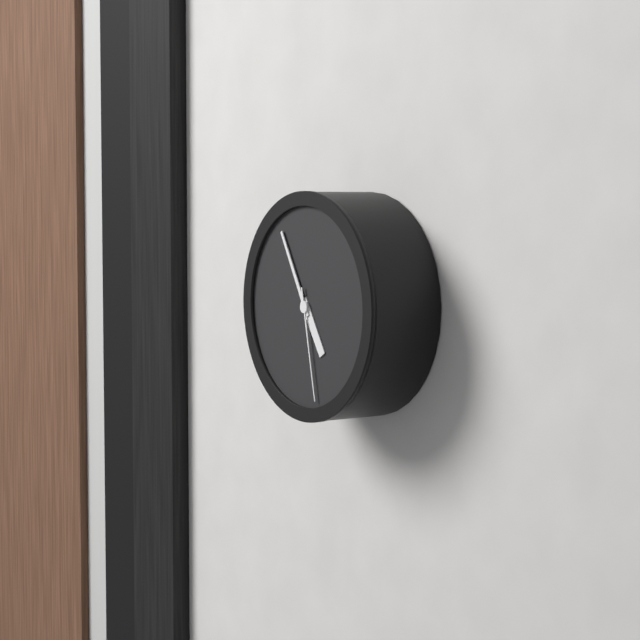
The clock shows 4.55.28
